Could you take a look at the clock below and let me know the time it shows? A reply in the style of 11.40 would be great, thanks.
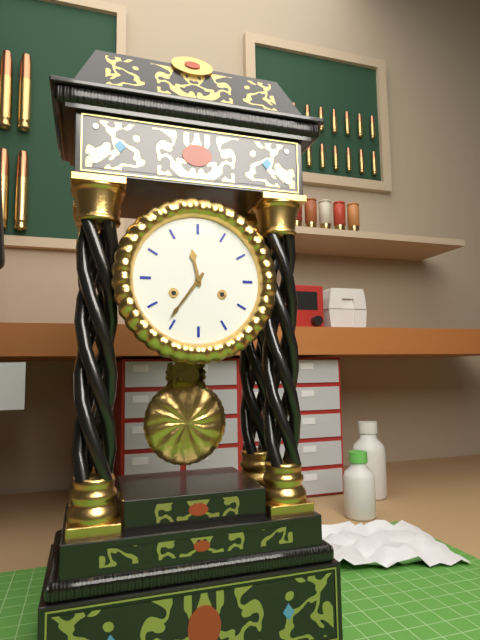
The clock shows 11.36
